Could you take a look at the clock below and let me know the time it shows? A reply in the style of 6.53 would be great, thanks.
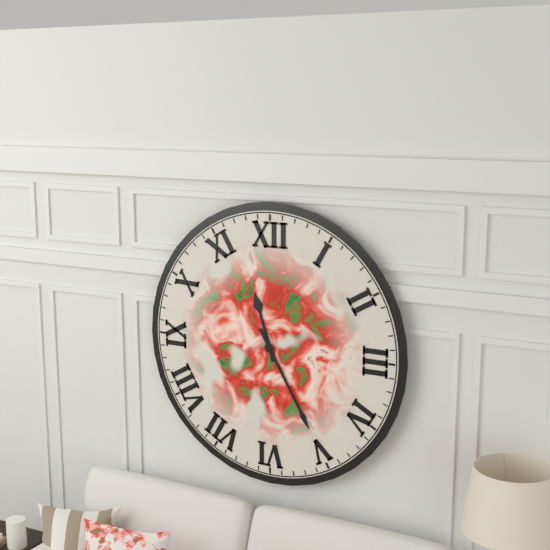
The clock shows 11.25
